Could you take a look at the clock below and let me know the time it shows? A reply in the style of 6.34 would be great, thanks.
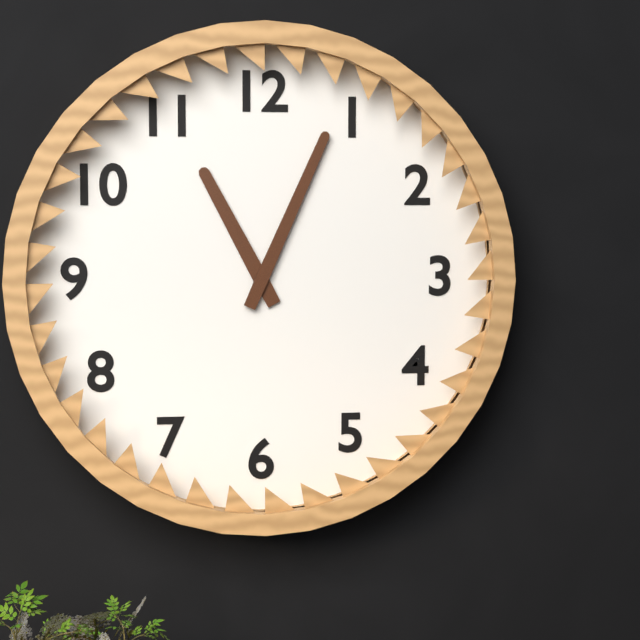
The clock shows 11.04
